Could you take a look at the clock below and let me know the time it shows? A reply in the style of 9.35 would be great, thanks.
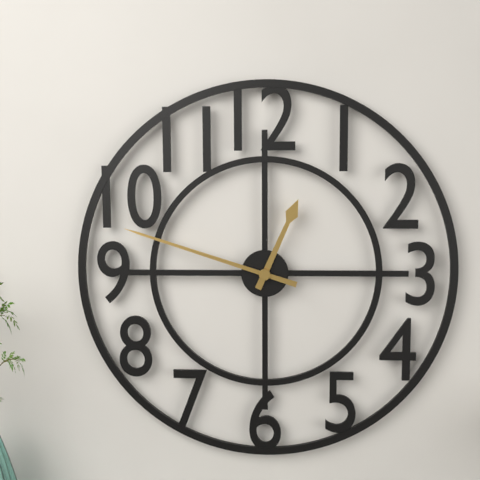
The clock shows 12.48
